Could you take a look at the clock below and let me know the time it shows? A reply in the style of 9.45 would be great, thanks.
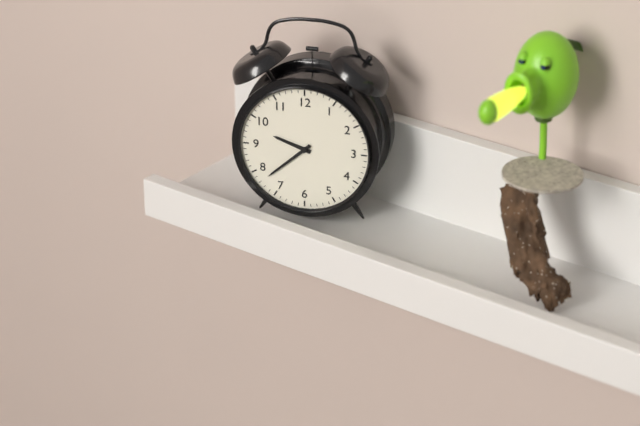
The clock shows 9.38
